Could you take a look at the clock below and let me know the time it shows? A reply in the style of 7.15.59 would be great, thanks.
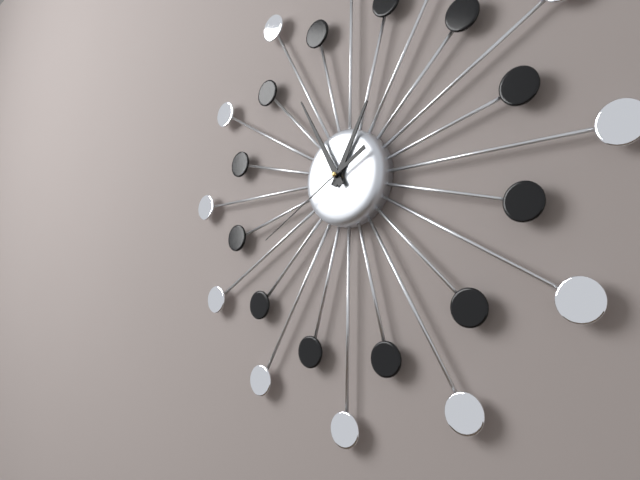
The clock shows 12.55.40
